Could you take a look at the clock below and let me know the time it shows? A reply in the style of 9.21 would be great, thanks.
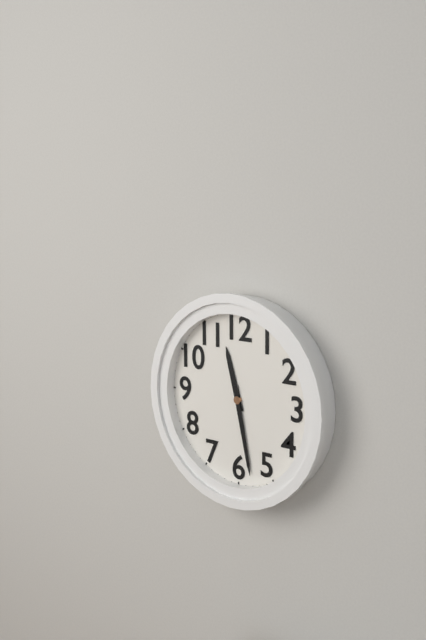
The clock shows 11.28
